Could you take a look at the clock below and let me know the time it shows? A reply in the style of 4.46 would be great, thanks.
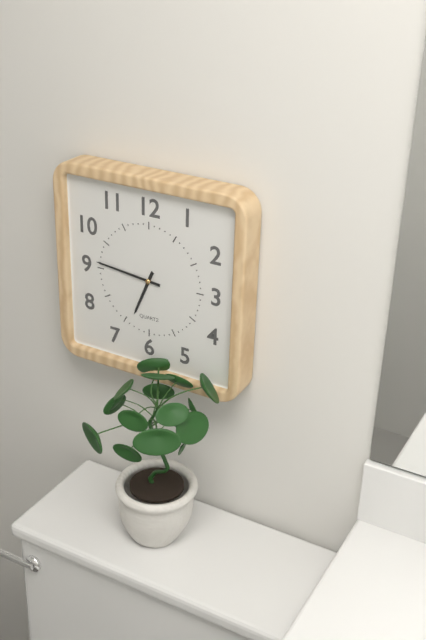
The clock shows 6.46
